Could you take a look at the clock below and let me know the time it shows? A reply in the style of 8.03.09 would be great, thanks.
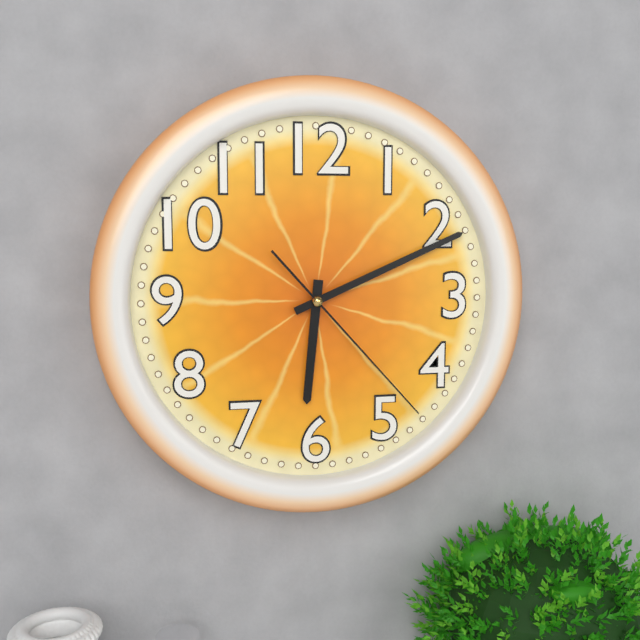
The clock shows 6.11.23
